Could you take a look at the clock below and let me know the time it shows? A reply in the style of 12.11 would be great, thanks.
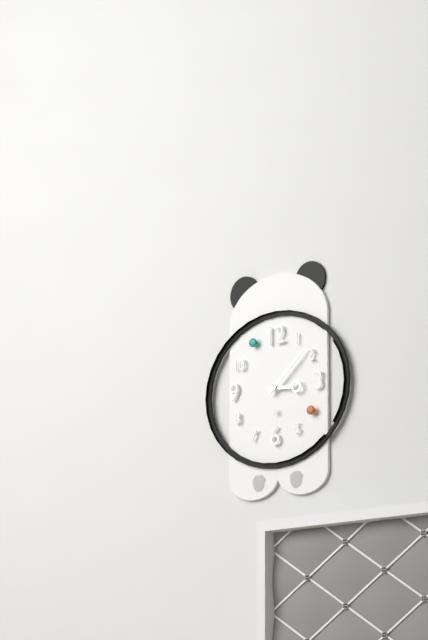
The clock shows 3.08
